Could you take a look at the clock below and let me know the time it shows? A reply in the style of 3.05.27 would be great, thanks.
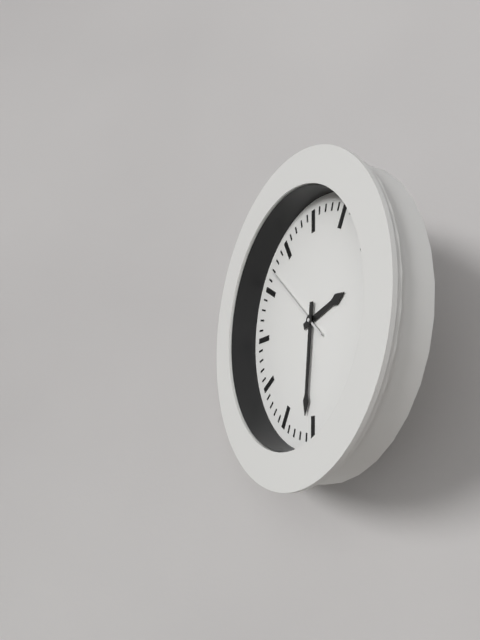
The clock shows 2.31.52
